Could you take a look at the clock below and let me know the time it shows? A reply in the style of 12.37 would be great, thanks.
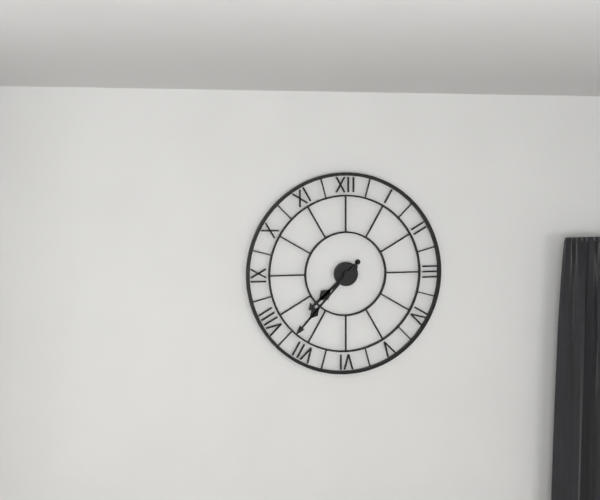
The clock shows 7.37
